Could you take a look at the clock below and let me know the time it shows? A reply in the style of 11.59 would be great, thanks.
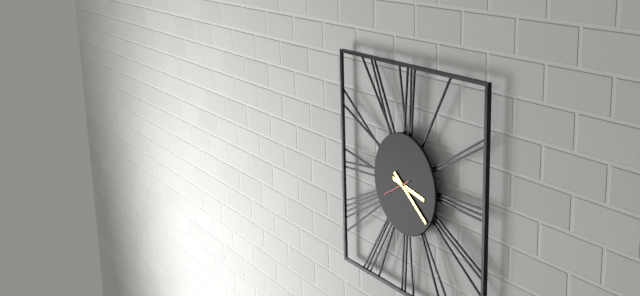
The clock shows 3.21
